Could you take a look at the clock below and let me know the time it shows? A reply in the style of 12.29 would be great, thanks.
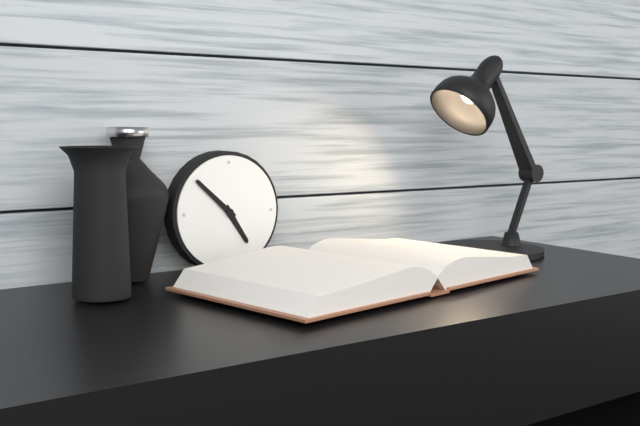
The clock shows 4.52
